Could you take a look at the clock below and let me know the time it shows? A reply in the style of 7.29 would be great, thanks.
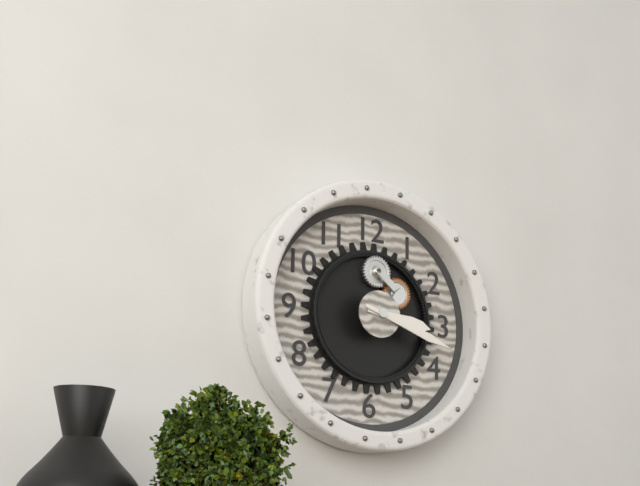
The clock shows 3.18
